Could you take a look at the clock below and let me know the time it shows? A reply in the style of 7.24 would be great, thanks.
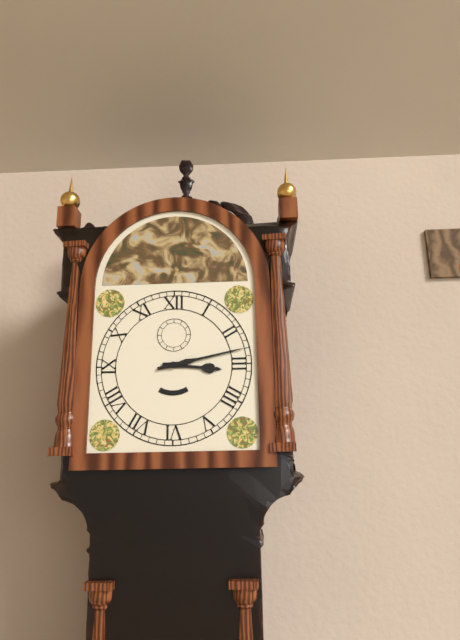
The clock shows 3.13
